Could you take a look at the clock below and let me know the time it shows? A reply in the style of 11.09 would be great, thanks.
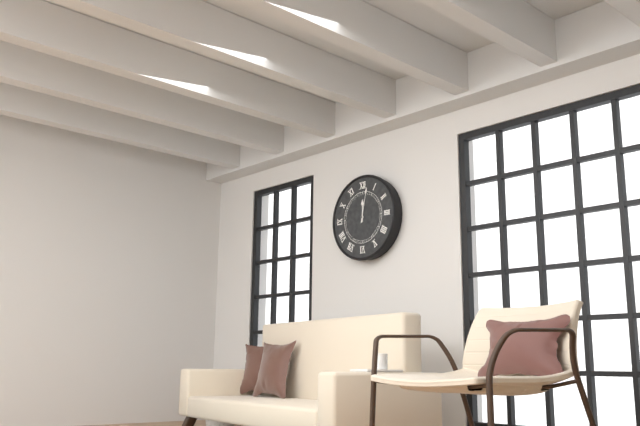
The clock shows 12.02
